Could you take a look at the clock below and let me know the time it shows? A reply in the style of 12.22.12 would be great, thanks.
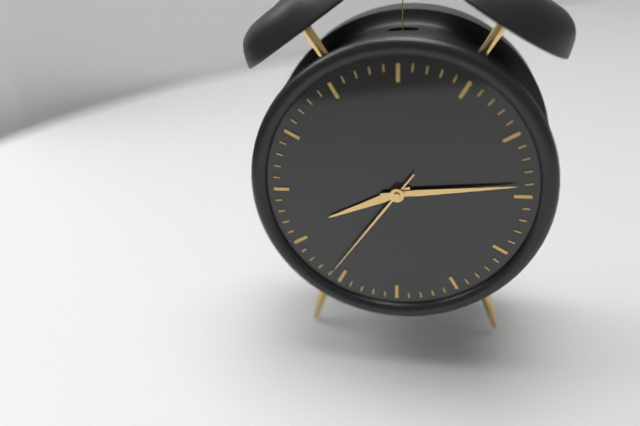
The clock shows 8.14.36
